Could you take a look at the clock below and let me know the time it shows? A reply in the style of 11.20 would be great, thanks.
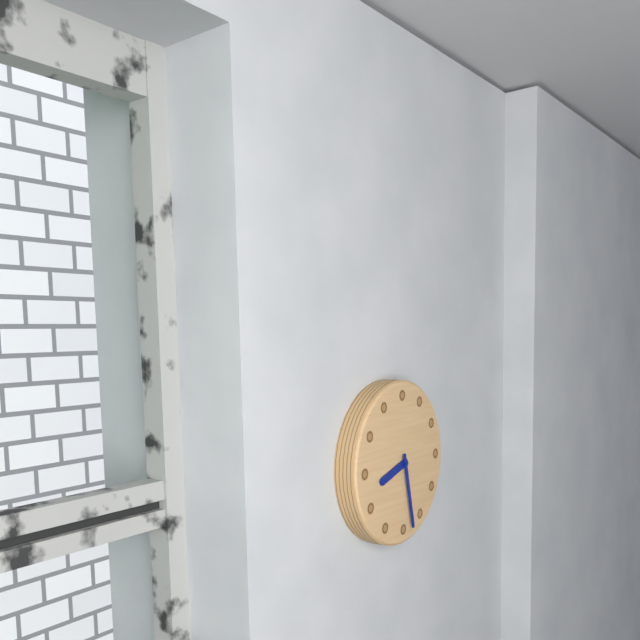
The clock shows 8.28
